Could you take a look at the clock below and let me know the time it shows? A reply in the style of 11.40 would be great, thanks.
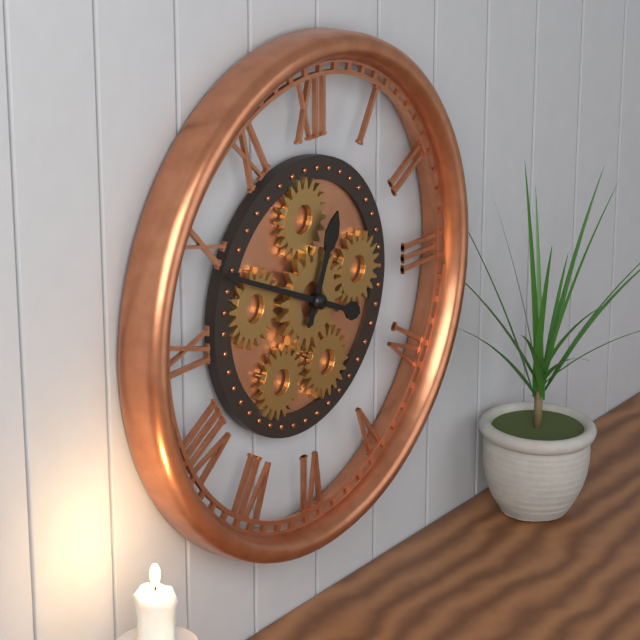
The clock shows 12.49
